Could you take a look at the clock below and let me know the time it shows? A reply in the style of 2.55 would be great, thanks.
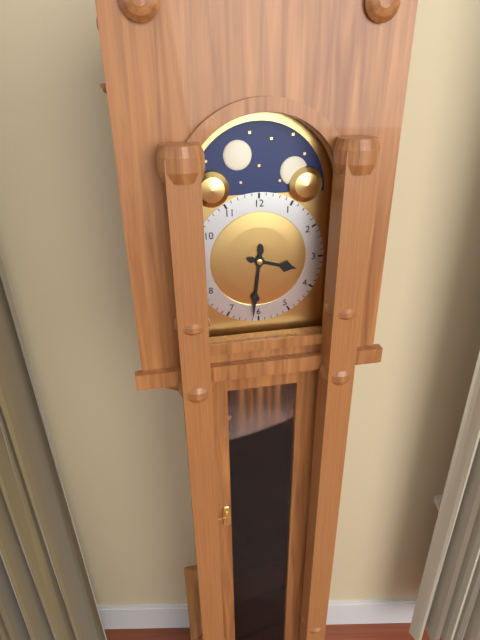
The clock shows 3.31
